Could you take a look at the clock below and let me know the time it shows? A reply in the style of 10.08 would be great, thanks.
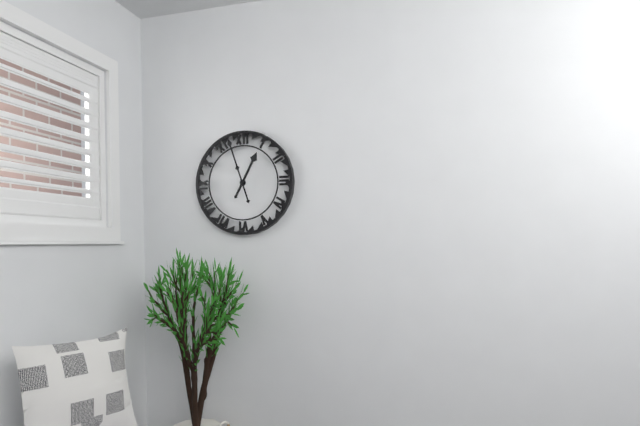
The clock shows 12.57
